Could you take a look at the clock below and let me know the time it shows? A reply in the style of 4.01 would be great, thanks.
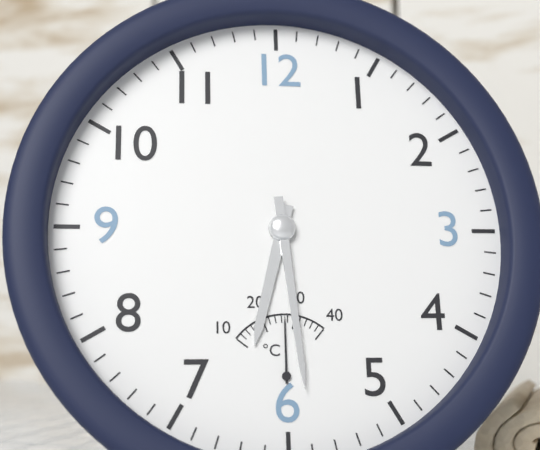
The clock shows 6.29
